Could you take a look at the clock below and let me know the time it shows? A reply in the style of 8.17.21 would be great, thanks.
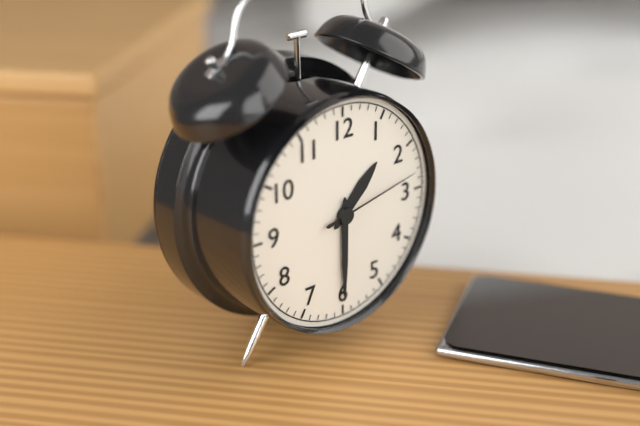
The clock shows 1.30.13
